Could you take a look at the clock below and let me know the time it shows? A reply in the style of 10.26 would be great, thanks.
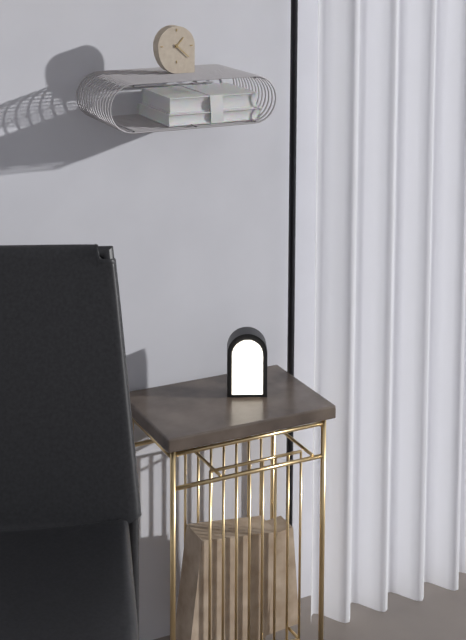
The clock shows 1.22
